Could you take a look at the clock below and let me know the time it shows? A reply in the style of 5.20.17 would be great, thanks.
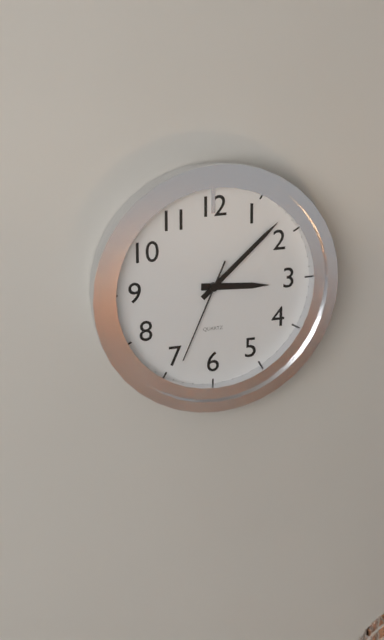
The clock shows 3.08.34
